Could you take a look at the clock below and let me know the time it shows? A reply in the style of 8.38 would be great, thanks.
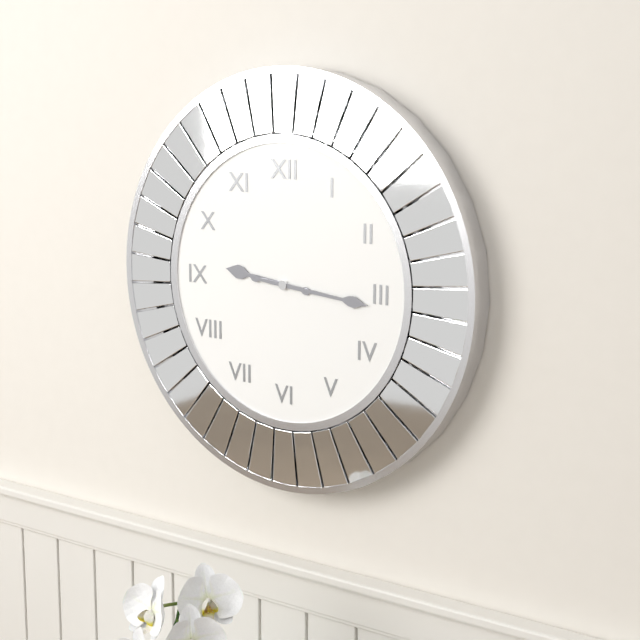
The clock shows 9.16
